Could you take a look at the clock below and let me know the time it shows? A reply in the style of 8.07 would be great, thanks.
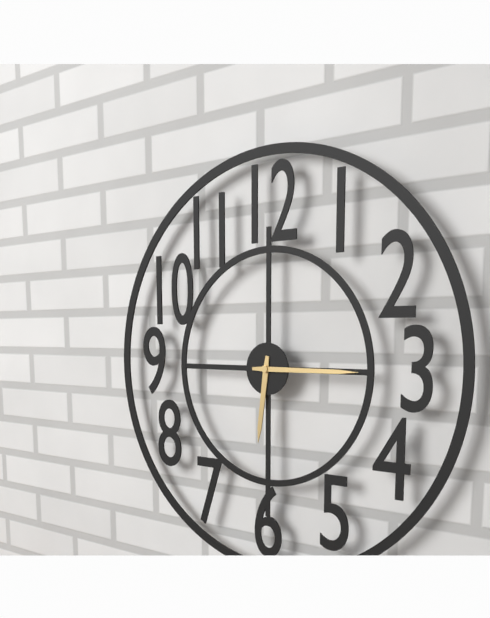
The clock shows 6.15
